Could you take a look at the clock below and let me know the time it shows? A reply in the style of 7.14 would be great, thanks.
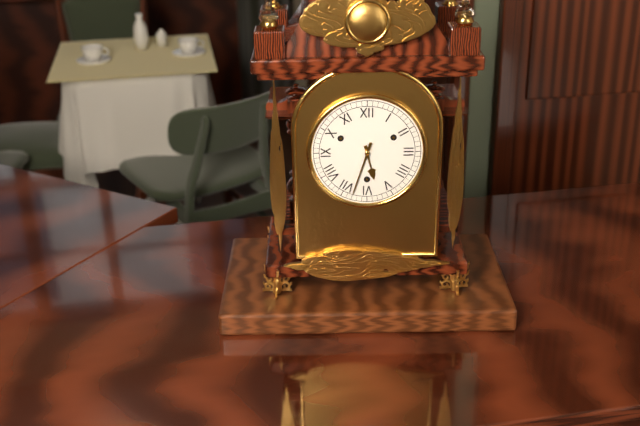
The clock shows 5.33
